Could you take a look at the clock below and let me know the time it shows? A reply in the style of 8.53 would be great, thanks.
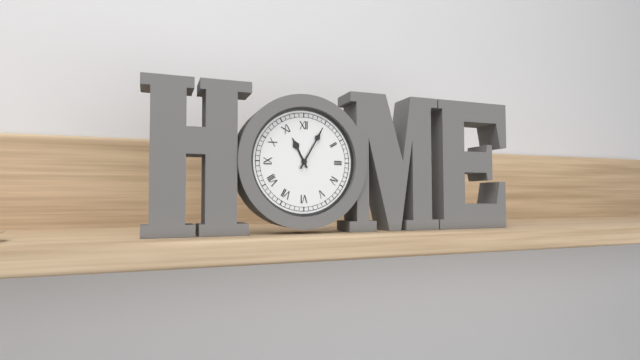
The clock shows 11.05
